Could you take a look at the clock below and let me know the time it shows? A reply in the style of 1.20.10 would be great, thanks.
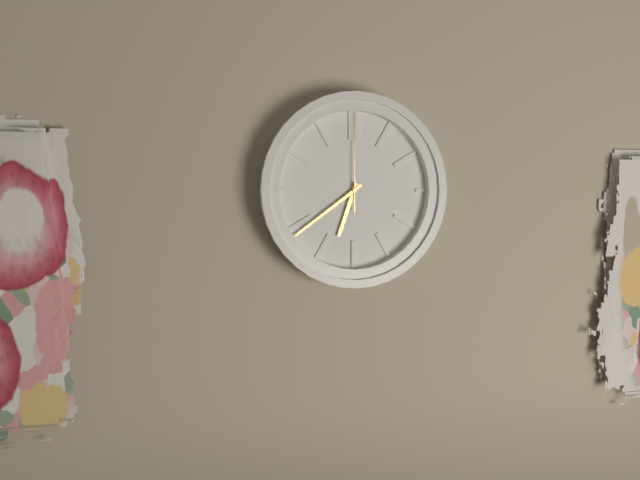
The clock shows 6.39.00
